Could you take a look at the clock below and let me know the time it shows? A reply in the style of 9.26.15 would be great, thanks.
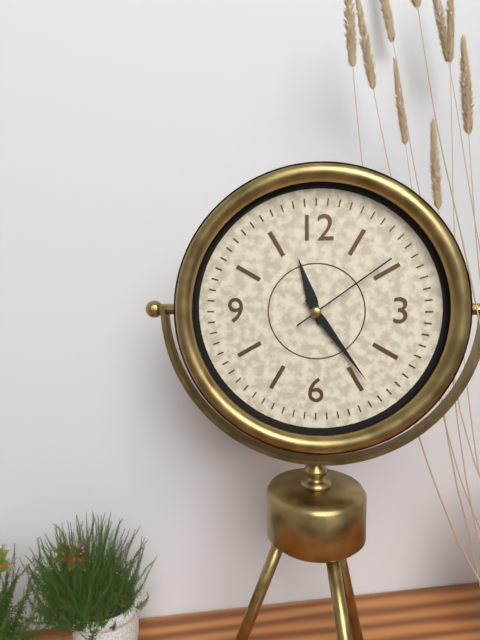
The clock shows 11.24.09
